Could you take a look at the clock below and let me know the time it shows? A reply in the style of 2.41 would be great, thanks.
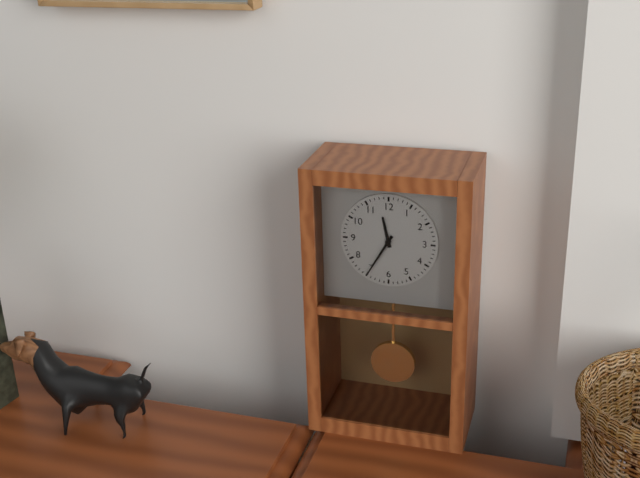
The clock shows 11.35
